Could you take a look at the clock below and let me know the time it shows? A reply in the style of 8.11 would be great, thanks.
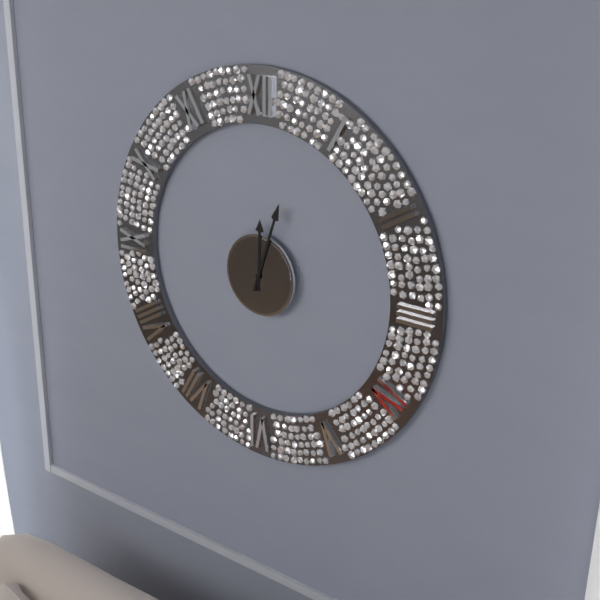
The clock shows 12.03
